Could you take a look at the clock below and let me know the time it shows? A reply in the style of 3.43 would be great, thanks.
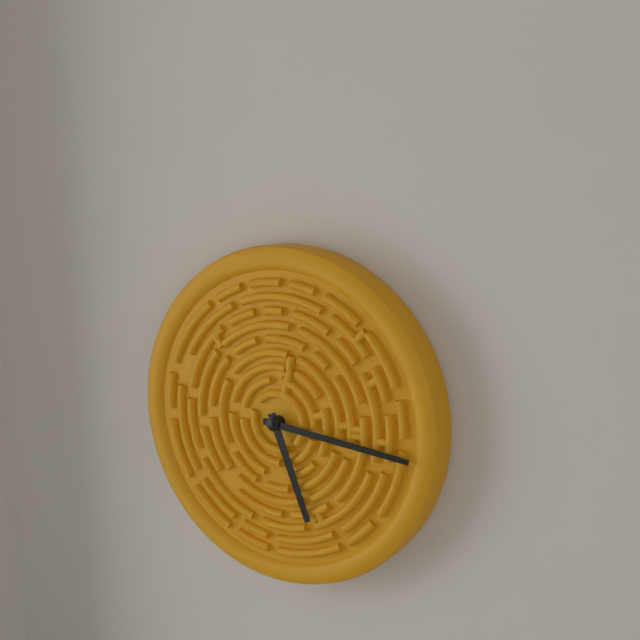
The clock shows 5.16
